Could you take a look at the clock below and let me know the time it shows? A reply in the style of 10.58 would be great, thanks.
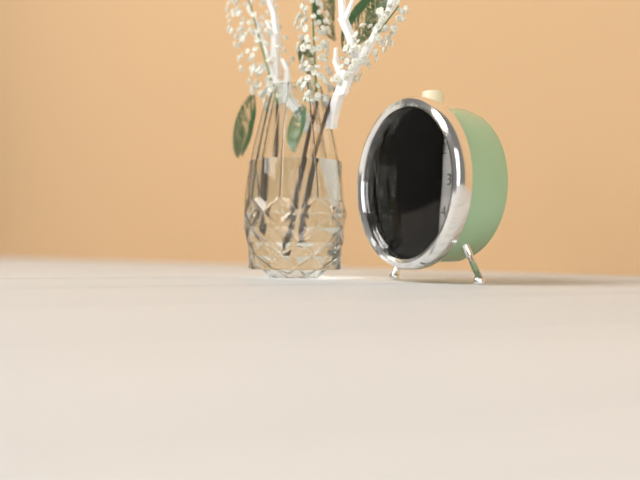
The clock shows 5.38
